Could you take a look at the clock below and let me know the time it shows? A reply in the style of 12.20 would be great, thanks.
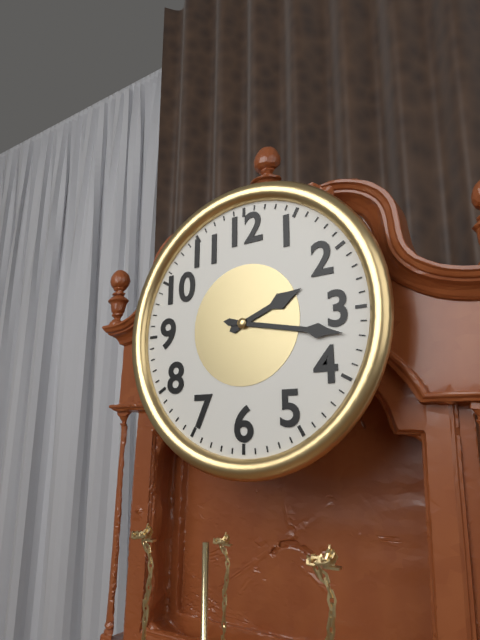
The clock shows 2.17
